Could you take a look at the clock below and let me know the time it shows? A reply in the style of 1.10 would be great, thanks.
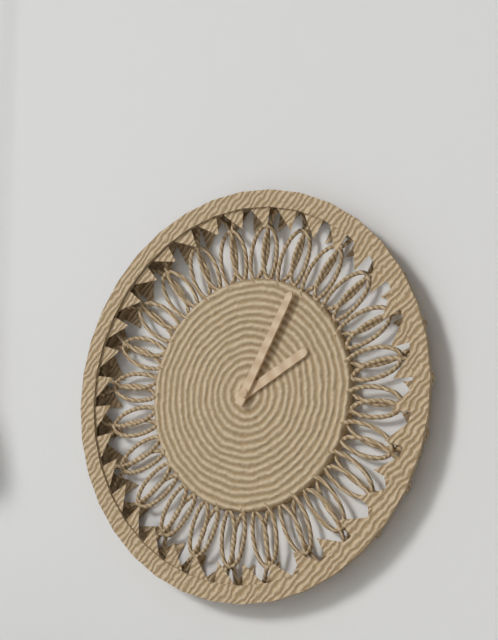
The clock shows 2.05
